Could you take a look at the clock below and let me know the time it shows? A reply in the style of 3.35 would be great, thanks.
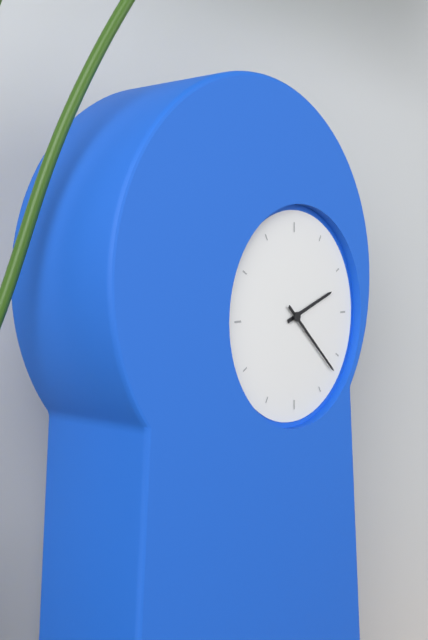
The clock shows 2.22
